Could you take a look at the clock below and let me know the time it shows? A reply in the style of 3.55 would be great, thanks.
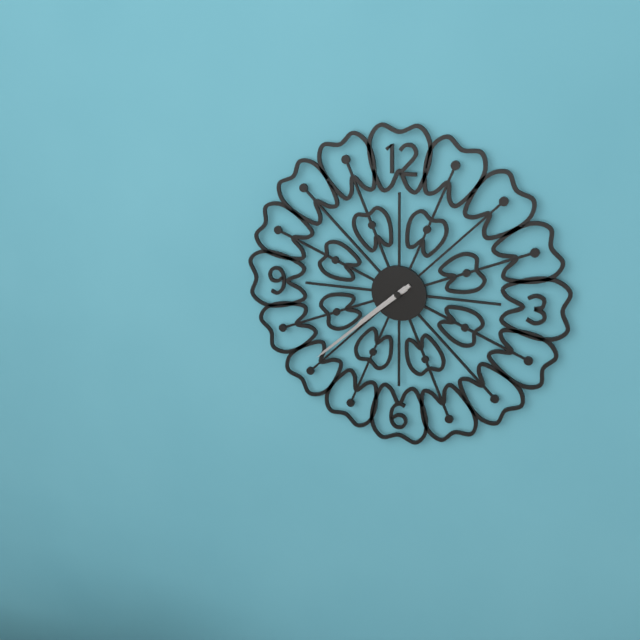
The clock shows 7.38
